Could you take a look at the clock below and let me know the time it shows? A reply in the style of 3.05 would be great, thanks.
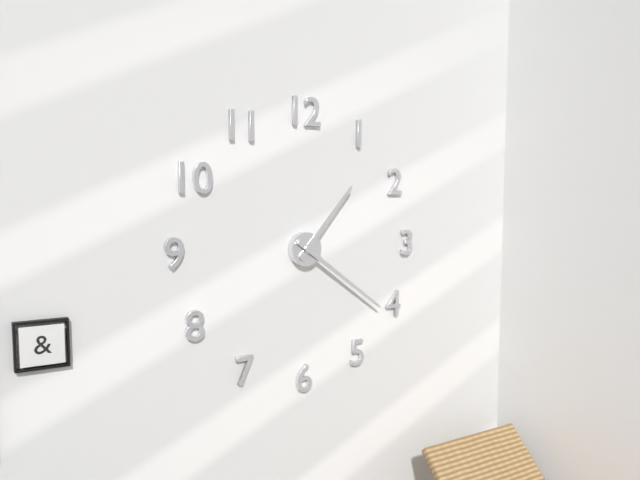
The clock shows 1.21
